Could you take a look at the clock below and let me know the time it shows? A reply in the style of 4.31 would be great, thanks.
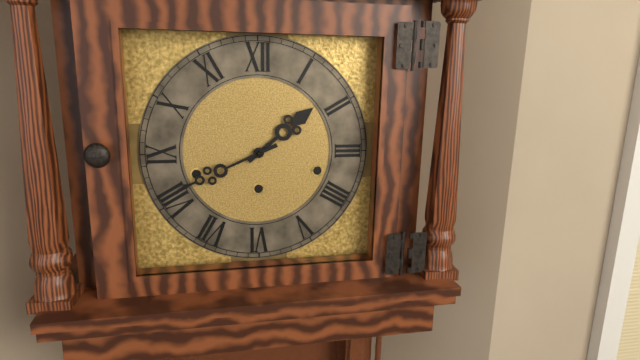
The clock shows 1.41
